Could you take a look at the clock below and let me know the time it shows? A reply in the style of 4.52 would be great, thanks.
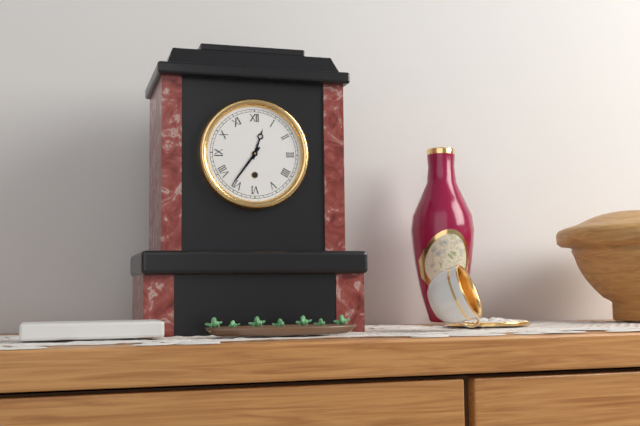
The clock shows 12.36
